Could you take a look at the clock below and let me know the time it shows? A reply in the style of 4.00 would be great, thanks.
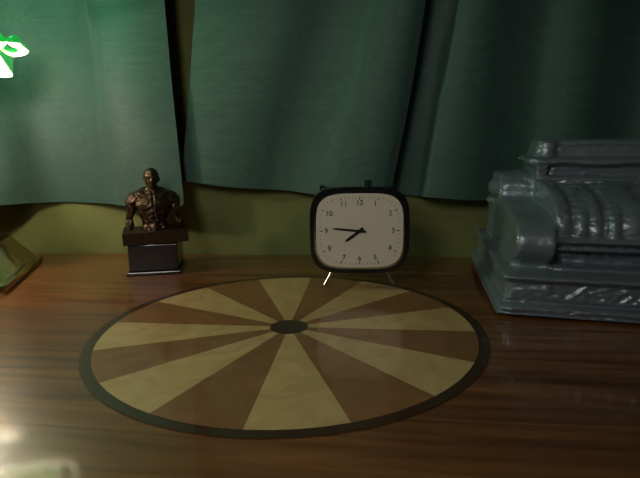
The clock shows 7.46
